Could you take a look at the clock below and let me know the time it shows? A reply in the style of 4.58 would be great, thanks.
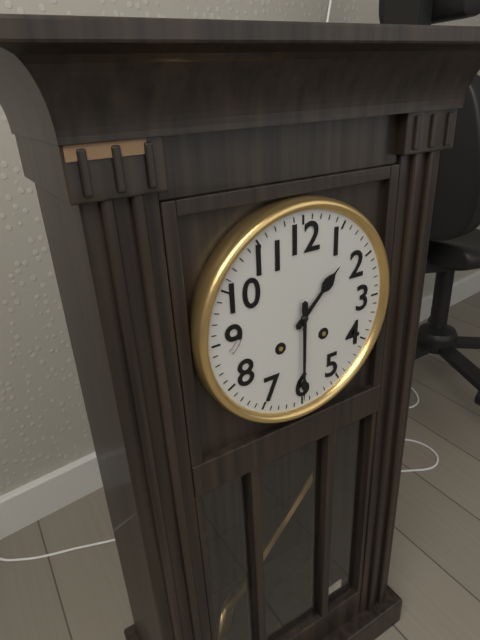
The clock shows 1.30
